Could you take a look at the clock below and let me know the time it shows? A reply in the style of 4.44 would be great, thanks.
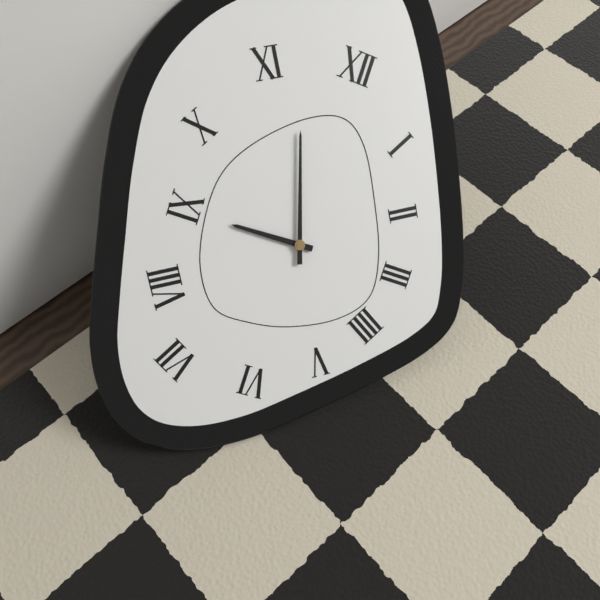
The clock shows 8.57
